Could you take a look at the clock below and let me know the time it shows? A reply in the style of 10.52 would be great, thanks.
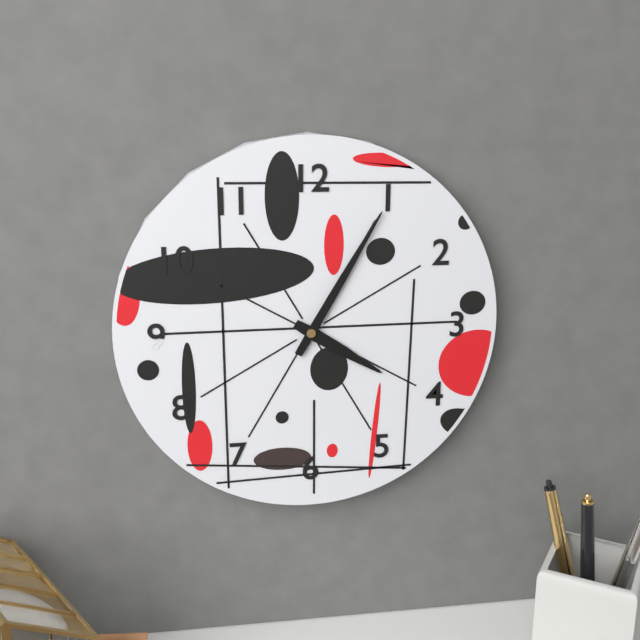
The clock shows 4.05
